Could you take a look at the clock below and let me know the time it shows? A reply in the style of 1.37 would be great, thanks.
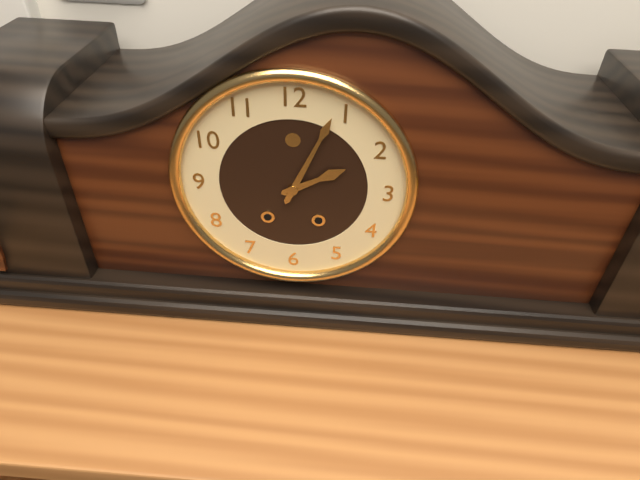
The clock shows 2.04
